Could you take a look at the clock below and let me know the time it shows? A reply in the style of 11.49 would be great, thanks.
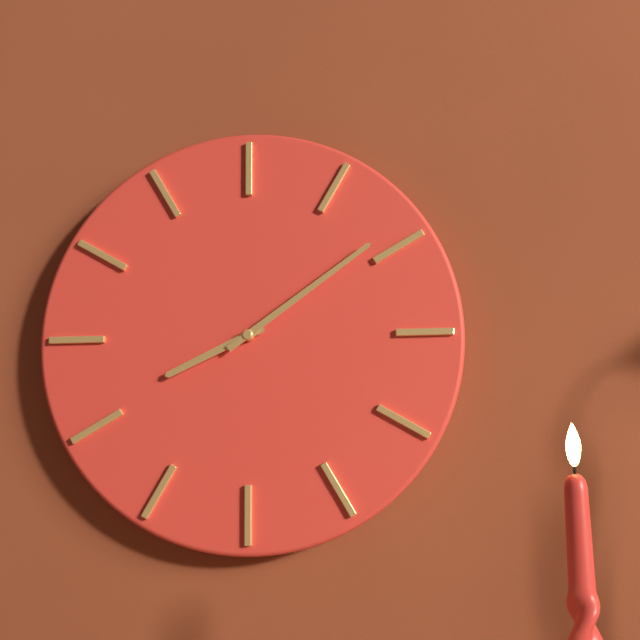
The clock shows 8.09
